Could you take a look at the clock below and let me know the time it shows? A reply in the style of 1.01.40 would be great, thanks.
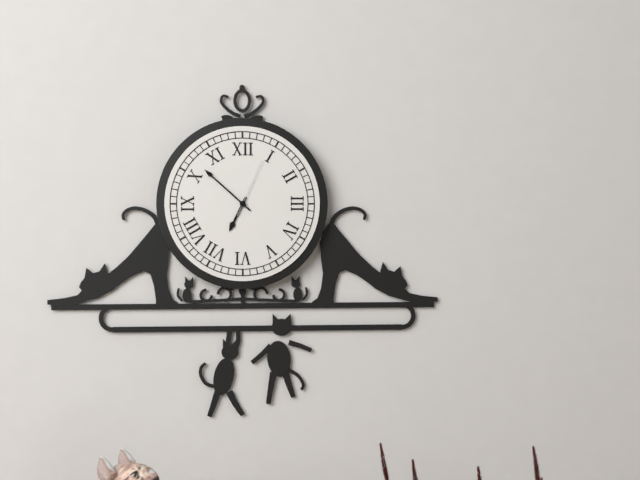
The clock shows 6.52.04
